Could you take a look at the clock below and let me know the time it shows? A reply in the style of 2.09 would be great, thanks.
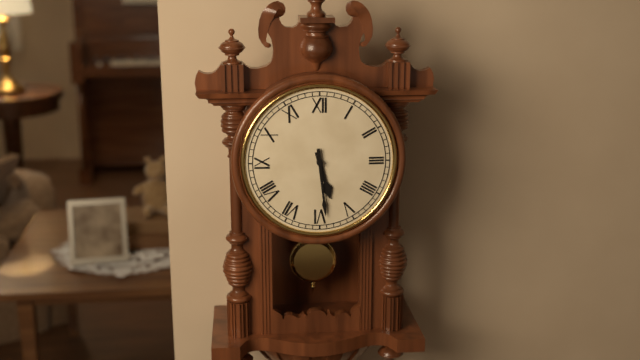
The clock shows 5.29
